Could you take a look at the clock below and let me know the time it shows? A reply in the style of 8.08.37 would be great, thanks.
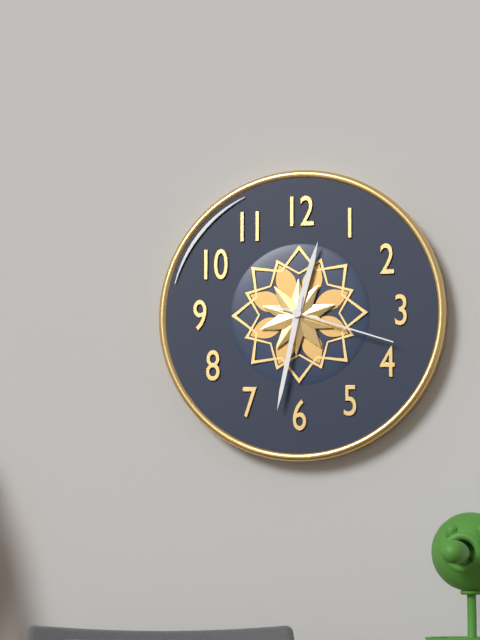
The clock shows 12.32.18
